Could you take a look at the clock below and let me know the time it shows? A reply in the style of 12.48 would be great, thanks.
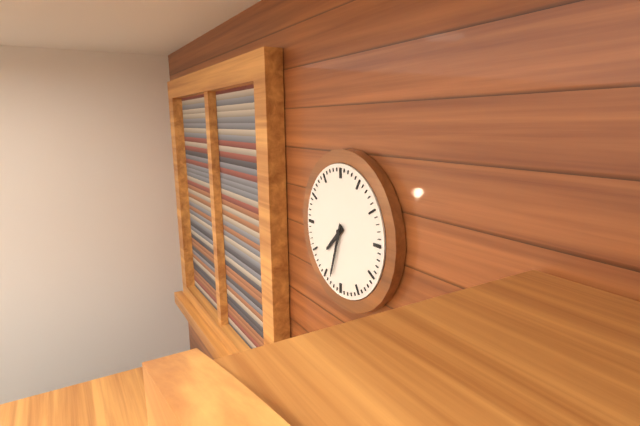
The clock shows 7.33
